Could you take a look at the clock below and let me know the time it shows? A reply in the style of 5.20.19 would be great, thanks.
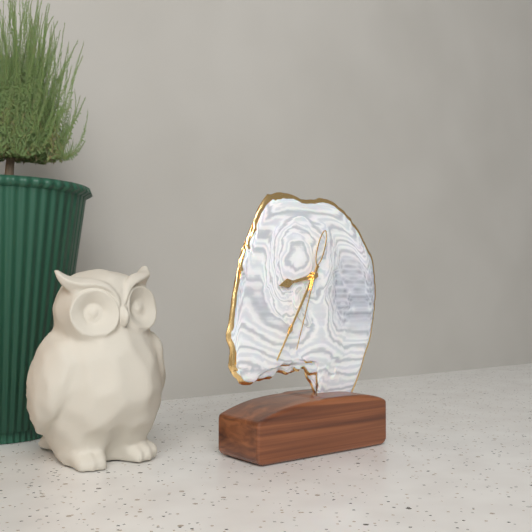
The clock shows 8.35.33
